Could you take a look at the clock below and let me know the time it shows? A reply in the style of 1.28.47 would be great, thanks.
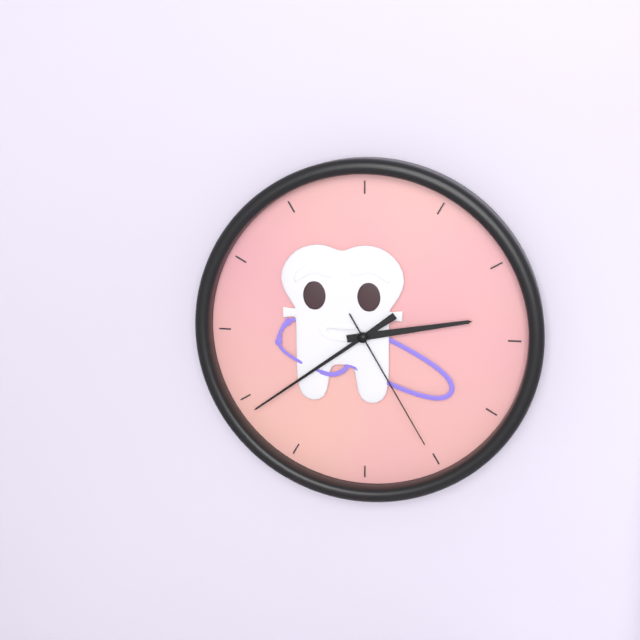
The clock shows 2.39.25
